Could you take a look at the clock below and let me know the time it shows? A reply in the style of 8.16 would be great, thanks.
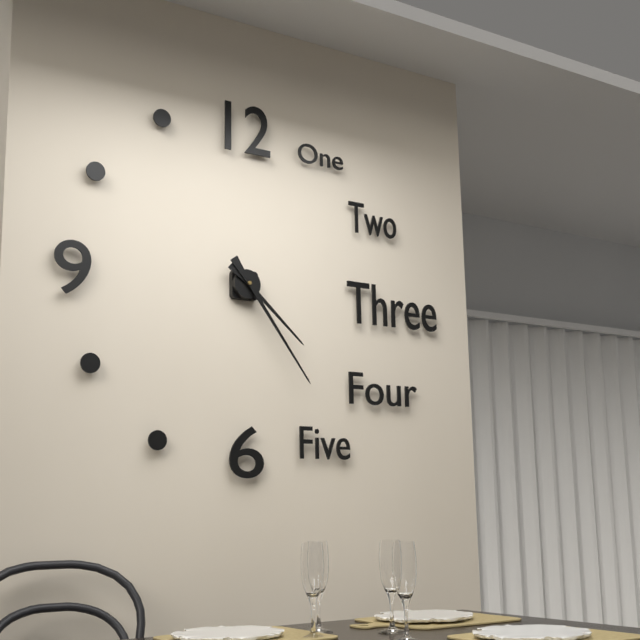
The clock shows 4.24
